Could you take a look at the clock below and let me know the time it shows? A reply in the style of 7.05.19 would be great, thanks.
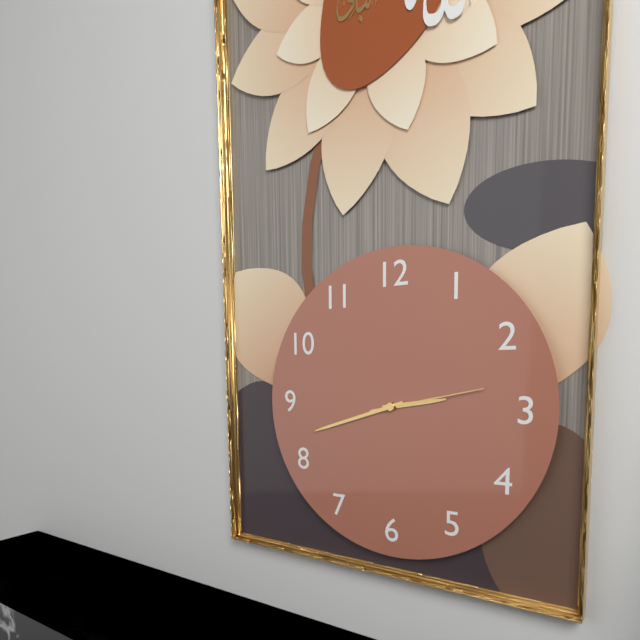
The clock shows 2.42.13
